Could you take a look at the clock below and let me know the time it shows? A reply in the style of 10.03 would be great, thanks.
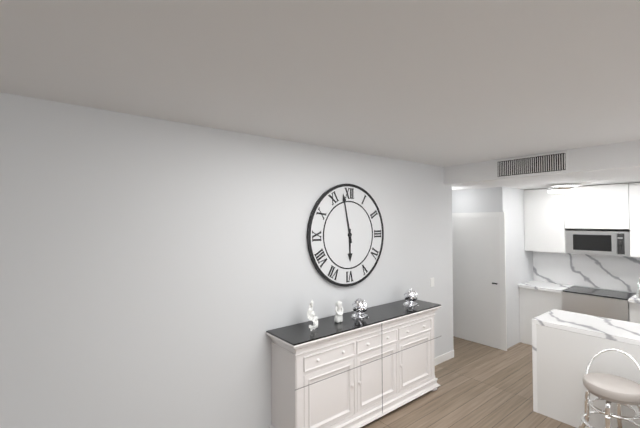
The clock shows 5.58
